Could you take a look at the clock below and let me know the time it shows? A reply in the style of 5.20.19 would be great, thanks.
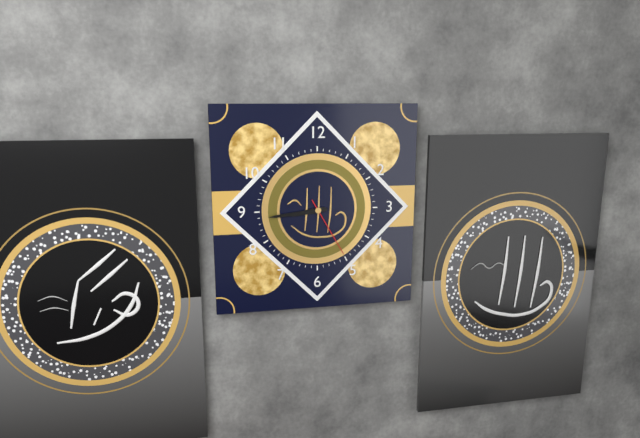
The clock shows 8.44.25
